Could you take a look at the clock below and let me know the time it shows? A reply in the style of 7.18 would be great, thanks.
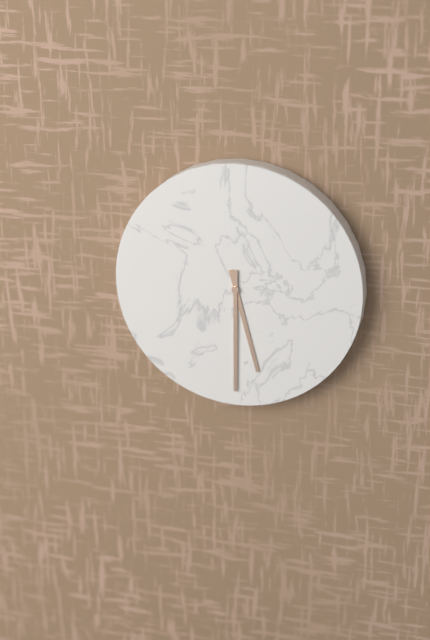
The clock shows 5.30
